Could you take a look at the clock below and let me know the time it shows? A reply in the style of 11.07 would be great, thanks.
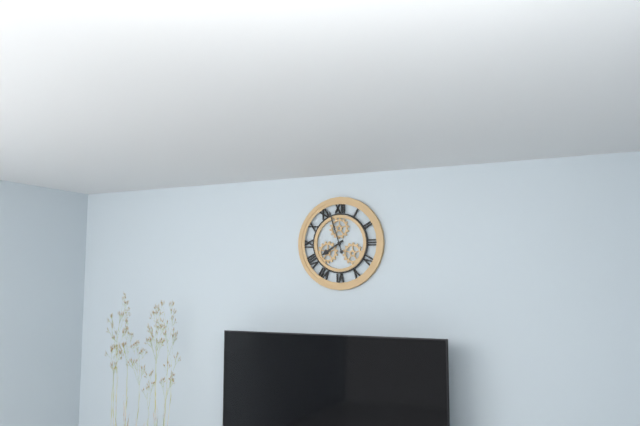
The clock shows 7.57
